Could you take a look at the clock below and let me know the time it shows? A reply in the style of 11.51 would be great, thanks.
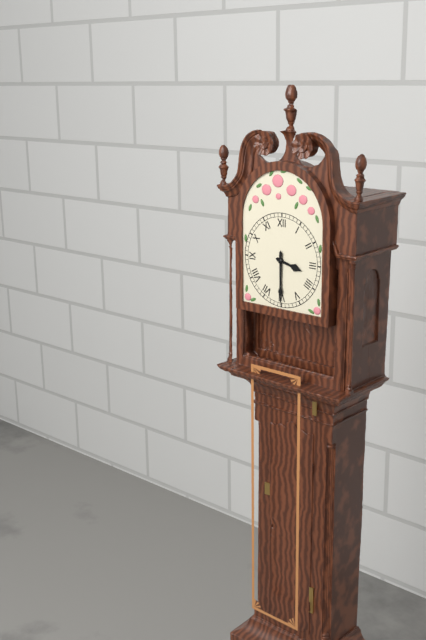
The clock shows 3.30
